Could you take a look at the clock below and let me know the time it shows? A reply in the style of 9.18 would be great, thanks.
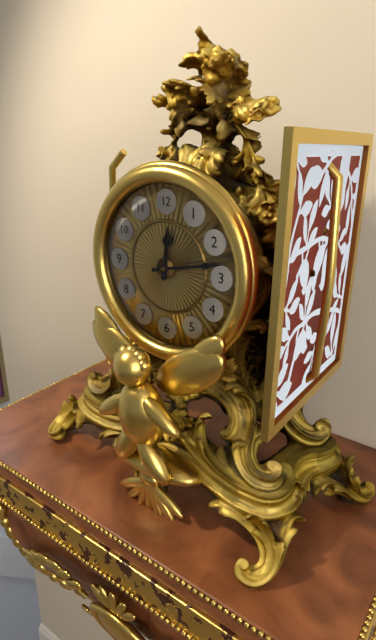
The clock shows 12.13
